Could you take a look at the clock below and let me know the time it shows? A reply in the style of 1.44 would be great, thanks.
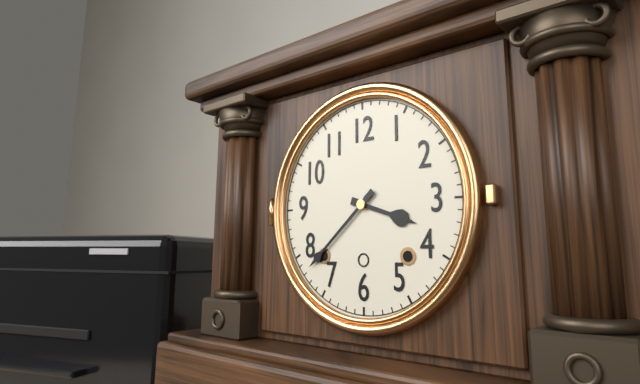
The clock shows 3.38
